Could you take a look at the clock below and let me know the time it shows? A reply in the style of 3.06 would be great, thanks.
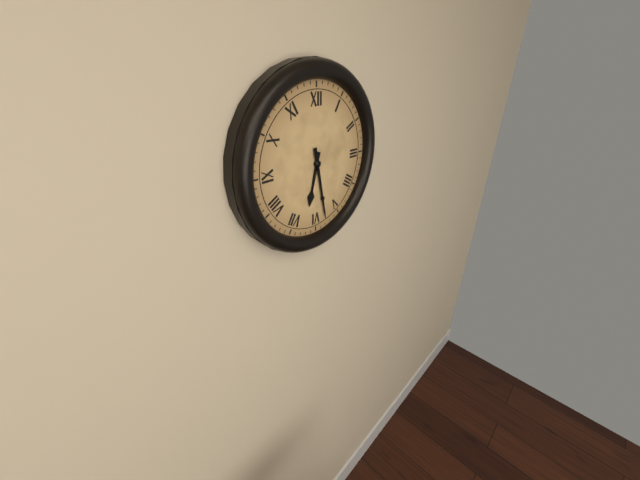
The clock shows 6.28
